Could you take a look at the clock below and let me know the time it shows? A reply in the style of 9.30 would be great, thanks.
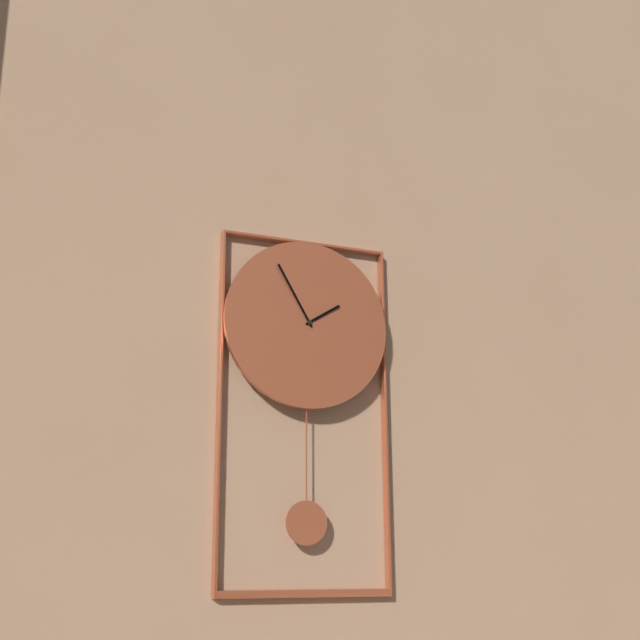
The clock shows 1.55
